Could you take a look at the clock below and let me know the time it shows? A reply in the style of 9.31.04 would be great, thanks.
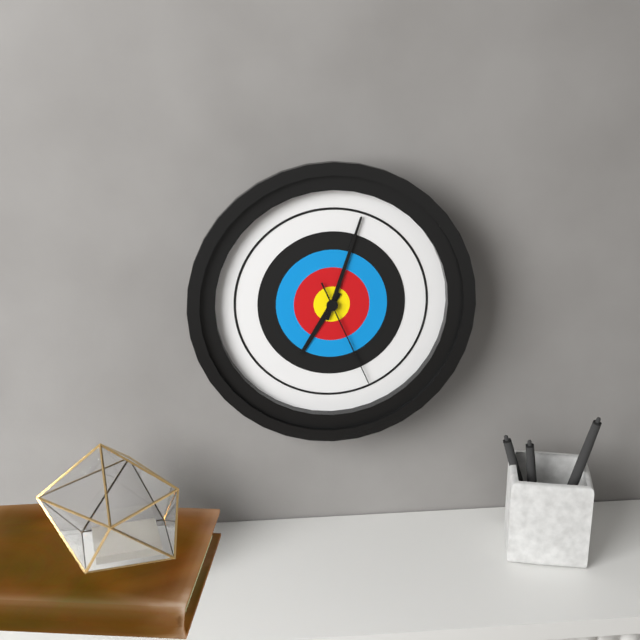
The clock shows 7.03.26
